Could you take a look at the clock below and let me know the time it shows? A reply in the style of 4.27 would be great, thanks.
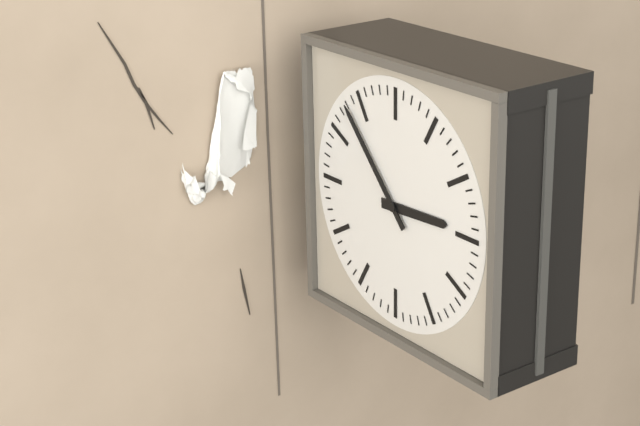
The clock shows 2.53
